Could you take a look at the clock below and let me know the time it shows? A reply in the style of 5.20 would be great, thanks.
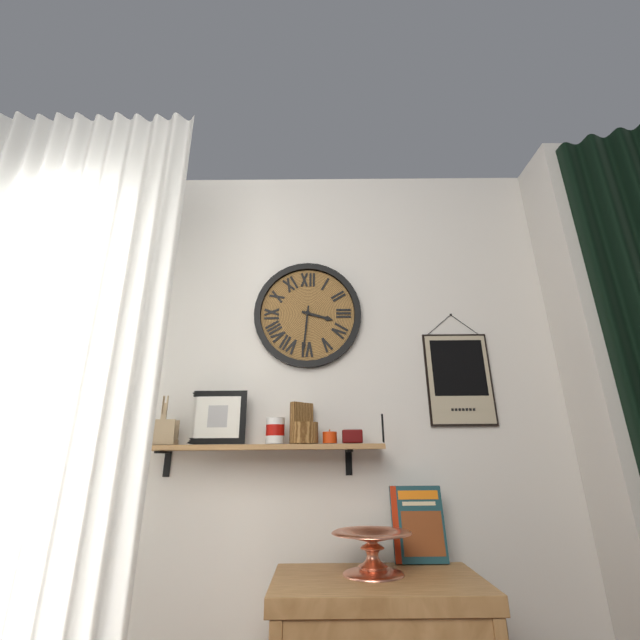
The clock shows 3.31
